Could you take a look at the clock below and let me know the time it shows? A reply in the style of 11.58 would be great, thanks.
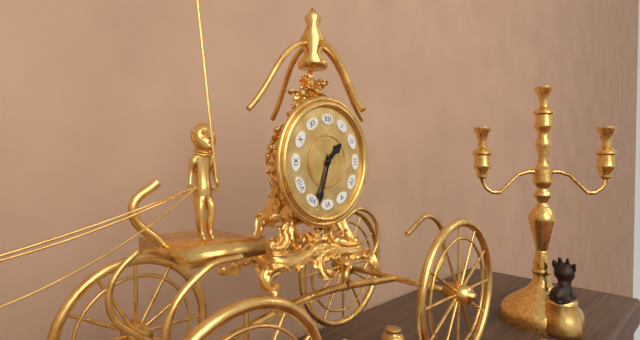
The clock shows 1.33
